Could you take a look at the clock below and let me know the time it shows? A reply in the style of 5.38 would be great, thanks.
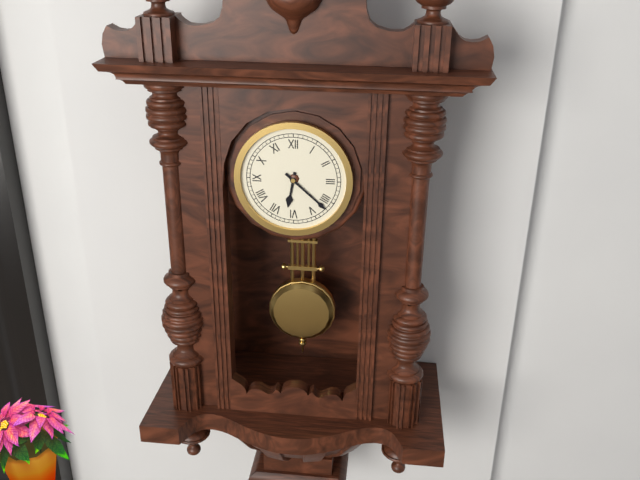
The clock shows 6.22
